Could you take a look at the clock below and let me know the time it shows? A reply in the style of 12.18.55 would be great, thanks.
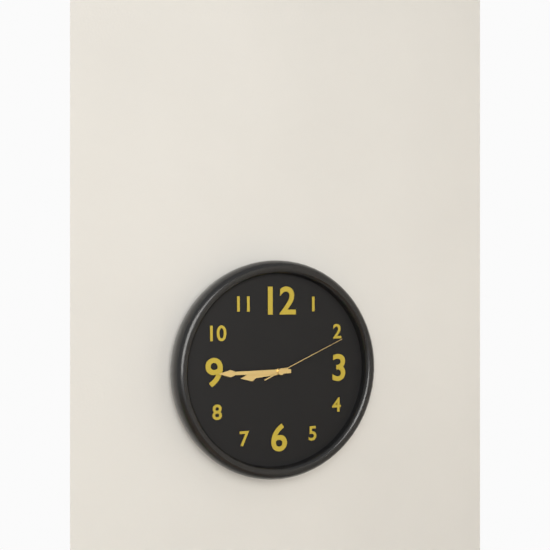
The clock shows 8.45.11
